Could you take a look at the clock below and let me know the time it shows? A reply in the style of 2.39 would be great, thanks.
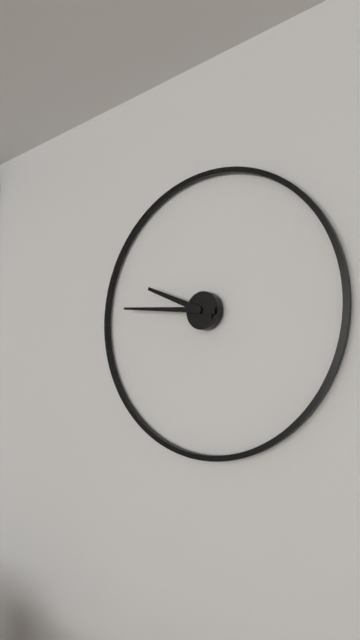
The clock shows 9.46
